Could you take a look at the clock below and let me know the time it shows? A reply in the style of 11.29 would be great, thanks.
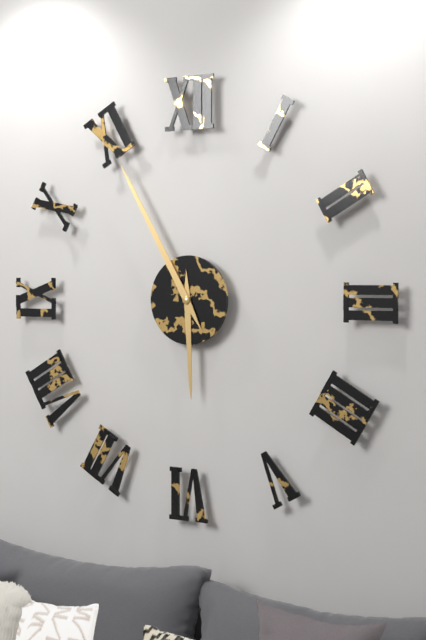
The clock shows 5.55
